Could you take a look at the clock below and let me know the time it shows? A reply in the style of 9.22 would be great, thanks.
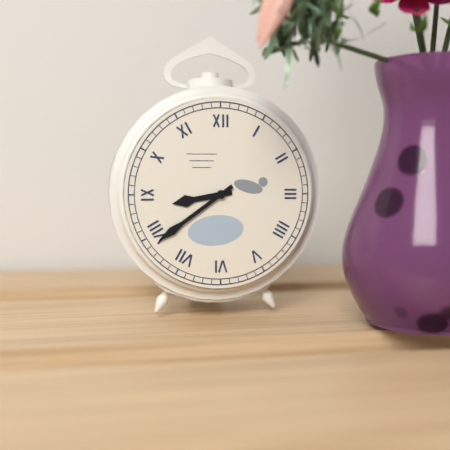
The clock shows 8.39
